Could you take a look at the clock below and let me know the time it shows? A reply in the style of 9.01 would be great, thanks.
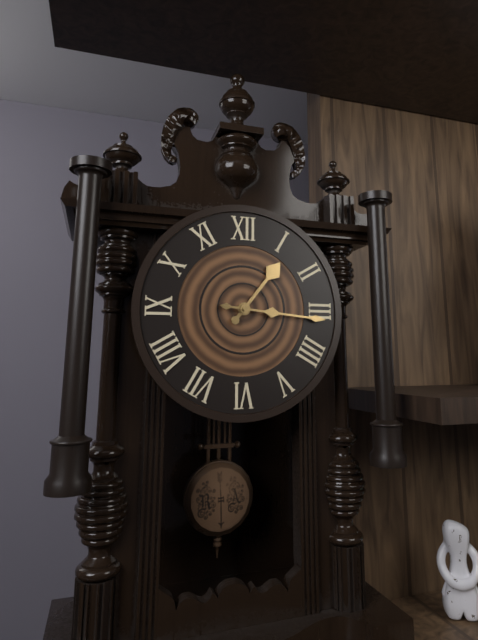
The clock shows 1.16
